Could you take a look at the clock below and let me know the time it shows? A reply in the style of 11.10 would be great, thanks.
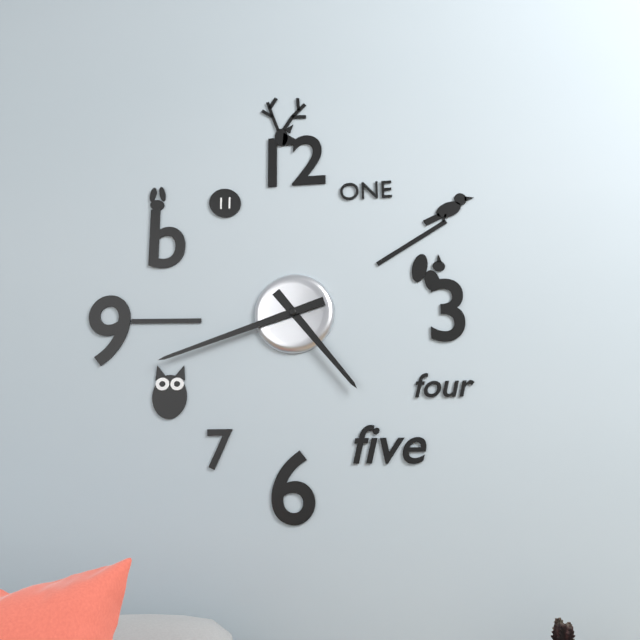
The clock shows 4.42
